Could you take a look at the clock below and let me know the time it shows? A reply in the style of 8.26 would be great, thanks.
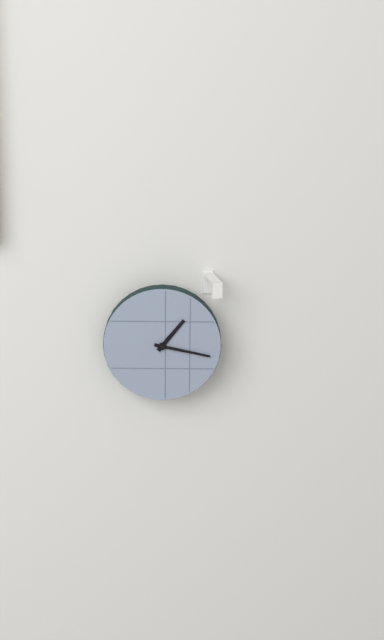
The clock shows 1.17
